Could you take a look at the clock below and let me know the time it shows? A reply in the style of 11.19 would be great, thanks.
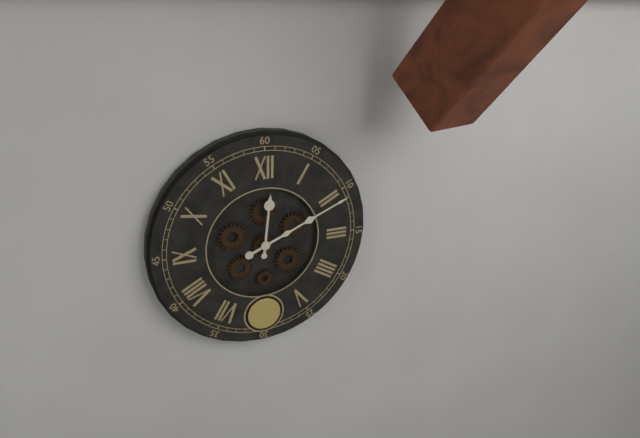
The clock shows 12.11
